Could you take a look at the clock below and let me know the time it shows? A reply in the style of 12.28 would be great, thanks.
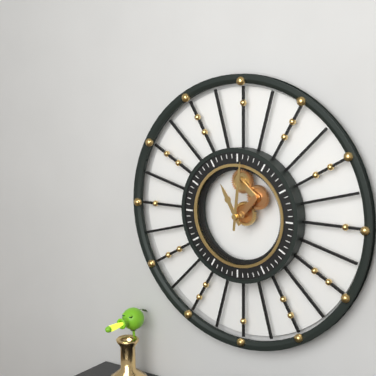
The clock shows 11.01
